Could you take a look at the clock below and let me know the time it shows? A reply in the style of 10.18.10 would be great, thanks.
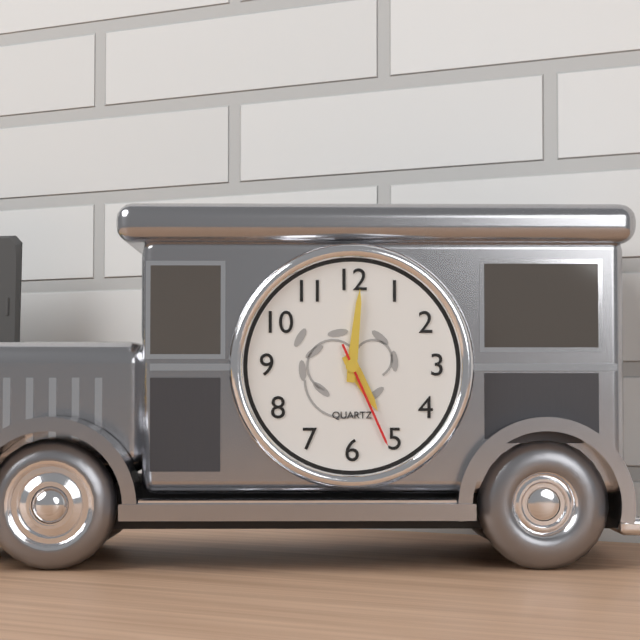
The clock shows 5.01.26
